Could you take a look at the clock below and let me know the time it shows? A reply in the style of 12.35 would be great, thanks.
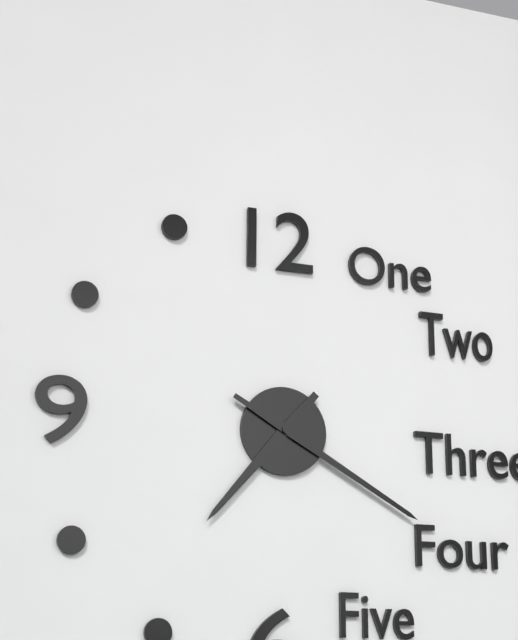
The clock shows 7.20
